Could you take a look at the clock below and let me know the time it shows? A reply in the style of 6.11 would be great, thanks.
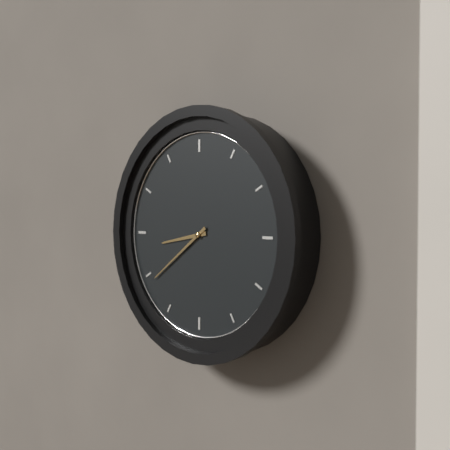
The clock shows 8.39
